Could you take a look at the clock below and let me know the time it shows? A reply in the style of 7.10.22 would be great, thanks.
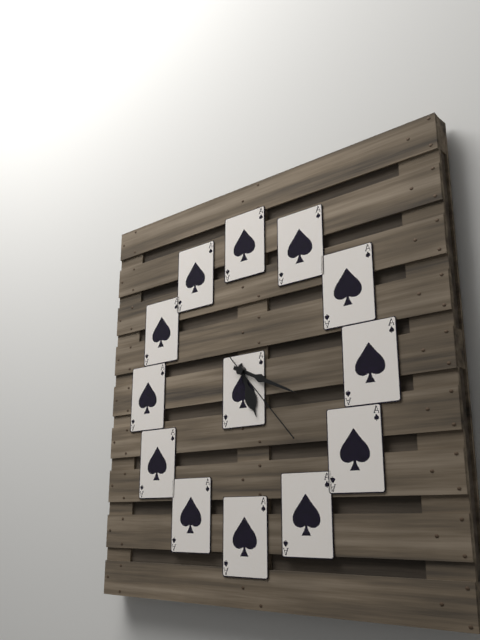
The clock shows 5.19.23
